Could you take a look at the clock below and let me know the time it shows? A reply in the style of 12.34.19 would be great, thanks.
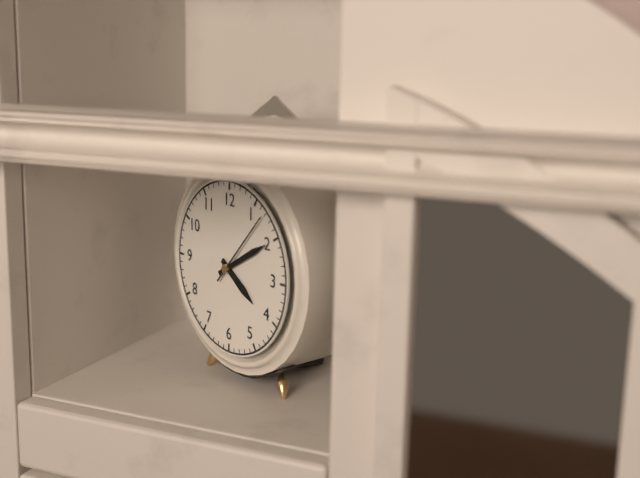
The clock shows 4.10.07
